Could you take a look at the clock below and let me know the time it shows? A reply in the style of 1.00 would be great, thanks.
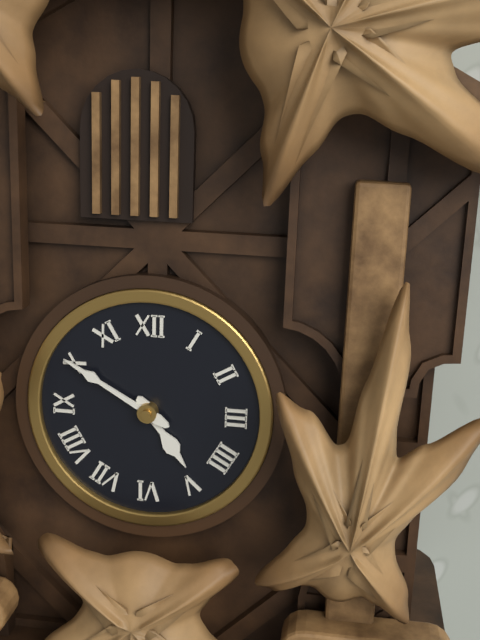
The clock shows 4.50
